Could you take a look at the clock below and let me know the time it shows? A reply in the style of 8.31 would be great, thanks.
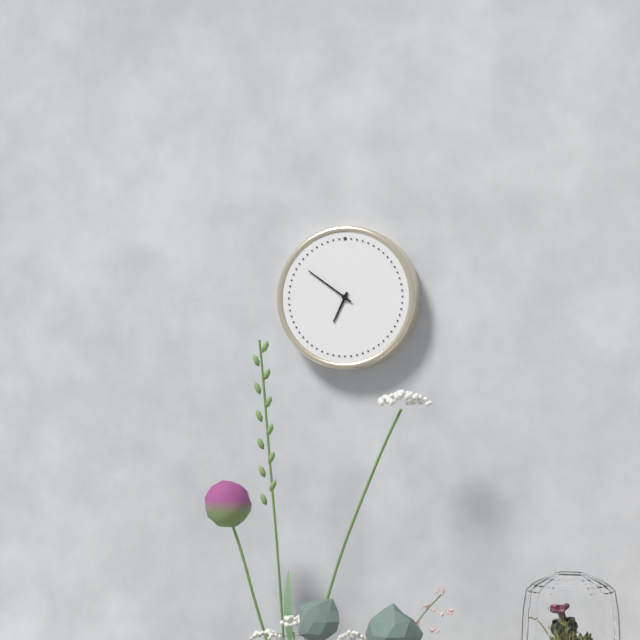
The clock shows 6.51
